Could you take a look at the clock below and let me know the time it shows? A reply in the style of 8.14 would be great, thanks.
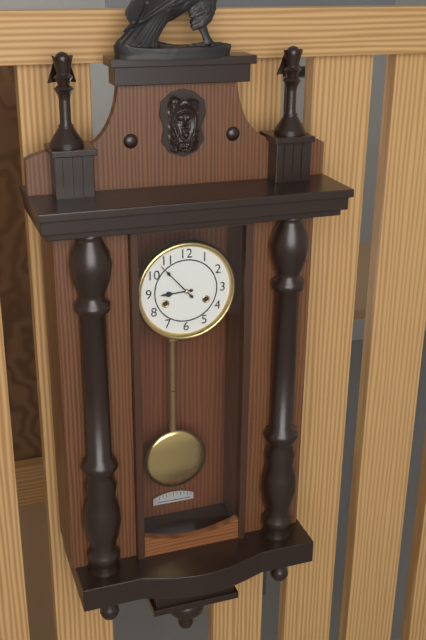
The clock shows 8.53
